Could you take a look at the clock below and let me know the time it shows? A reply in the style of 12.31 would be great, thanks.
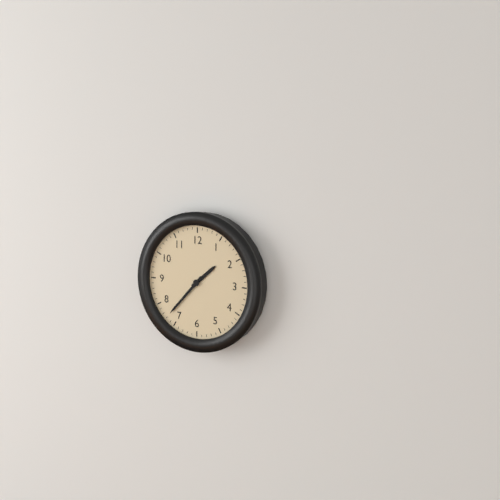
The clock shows 1.37
